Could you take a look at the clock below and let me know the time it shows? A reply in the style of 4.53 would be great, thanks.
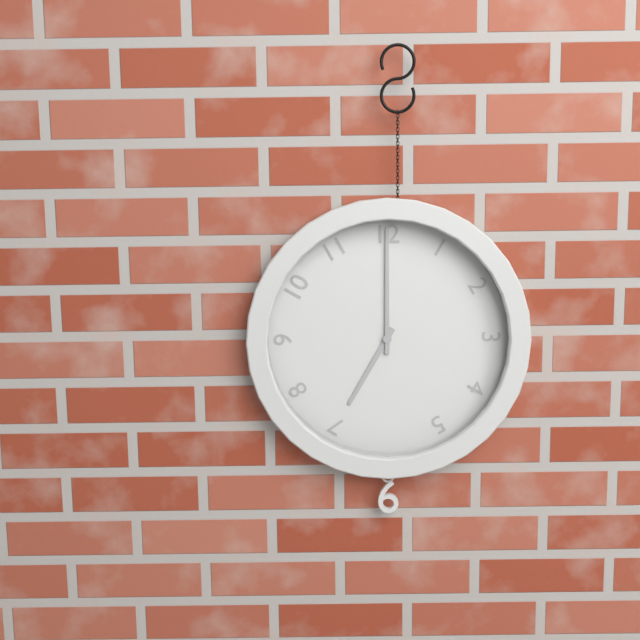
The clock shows 7.00
